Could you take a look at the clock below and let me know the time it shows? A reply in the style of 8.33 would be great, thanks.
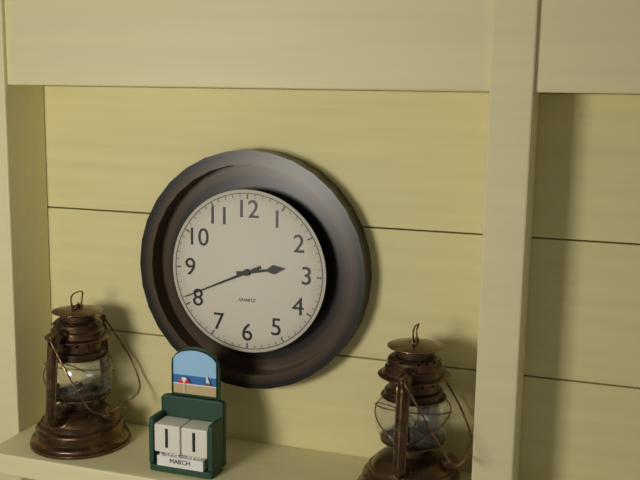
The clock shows 2.41
